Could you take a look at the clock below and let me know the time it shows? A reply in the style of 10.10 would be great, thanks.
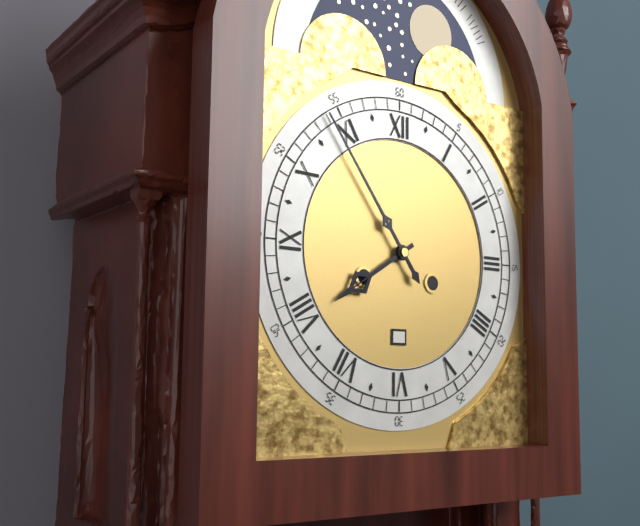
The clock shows 7.54
